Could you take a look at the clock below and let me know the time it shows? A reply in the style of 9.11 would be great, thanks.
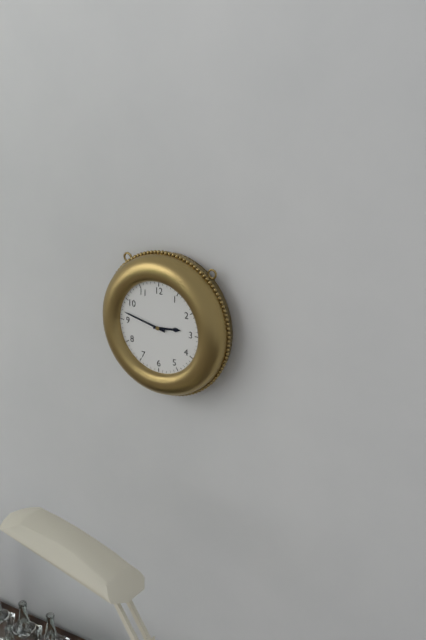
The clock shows 2.47
